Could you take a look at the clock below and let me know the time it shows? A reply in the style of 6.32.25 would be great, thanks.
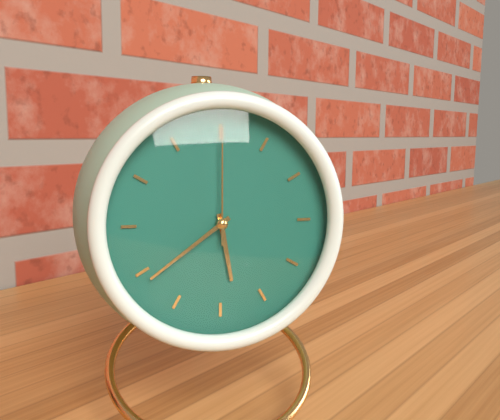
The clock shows 5.39.00
